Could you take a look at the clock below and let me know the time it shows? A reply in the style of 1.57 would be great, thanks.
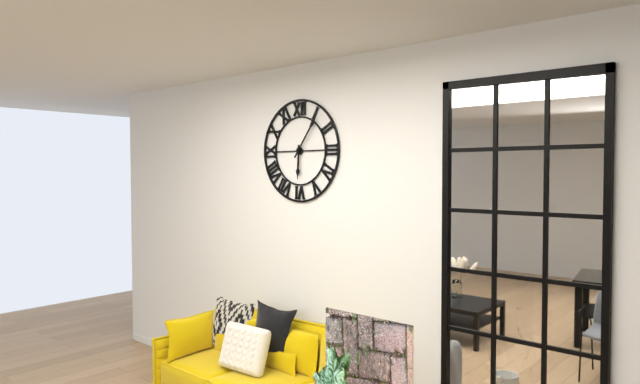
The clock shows 6.06
